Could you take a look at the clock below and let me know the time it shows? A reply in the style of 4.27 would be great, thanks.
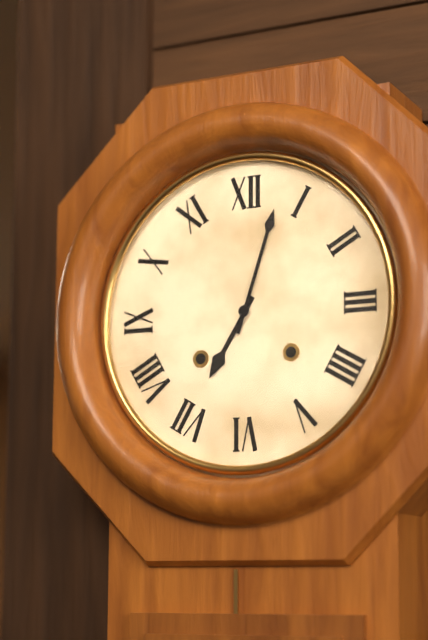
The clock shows 7.03
